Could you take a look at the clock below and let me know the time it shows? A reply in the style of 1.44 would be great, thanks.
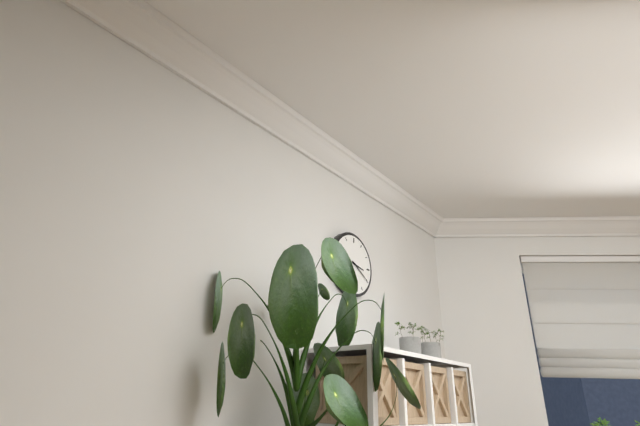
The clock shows 3.20
